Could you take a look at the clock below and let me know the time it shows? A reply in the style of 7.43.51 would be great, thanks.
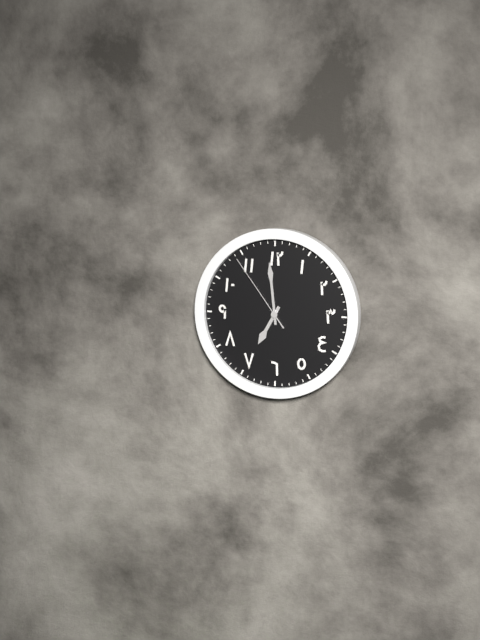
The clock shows 6.59.54
